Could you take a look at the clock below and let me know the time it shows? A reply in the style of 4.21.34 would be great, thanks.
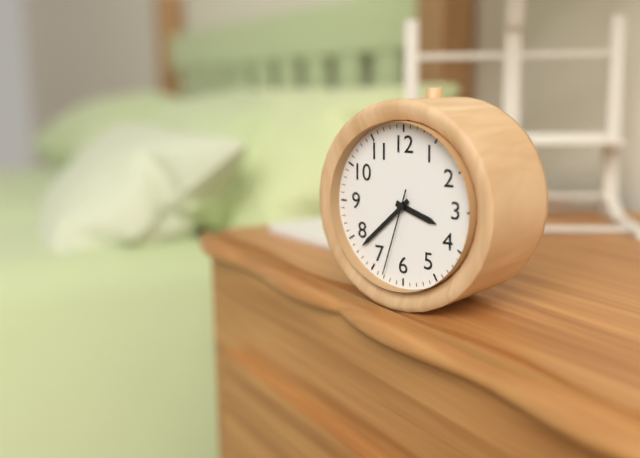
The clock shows 3.38.33
